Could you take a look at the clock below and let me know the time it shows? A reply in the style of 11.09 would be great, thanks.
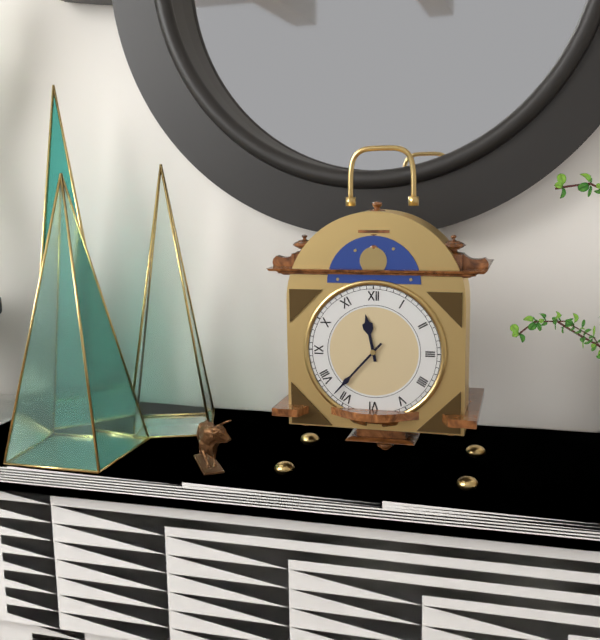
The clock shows 11.37
